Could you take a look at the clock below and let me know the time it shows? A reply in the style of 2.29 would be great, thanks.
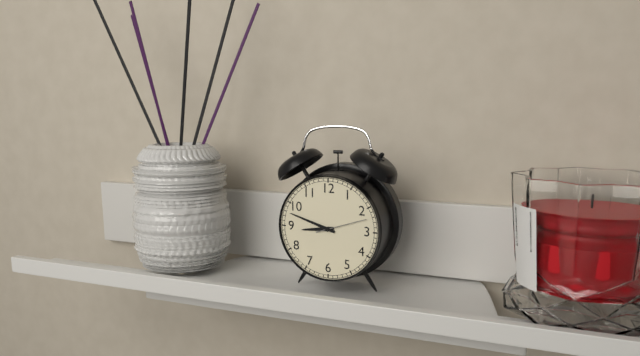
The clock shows 8.48
